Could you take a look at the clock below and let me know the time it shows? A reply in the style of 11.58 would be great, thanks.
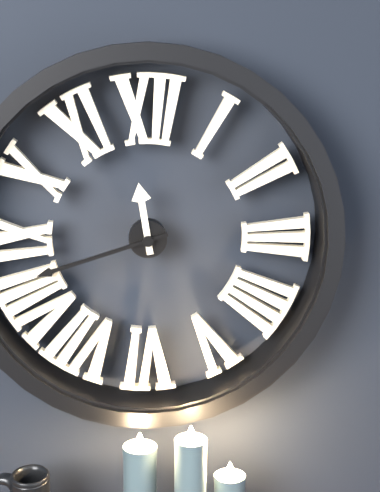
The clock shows 11.42
